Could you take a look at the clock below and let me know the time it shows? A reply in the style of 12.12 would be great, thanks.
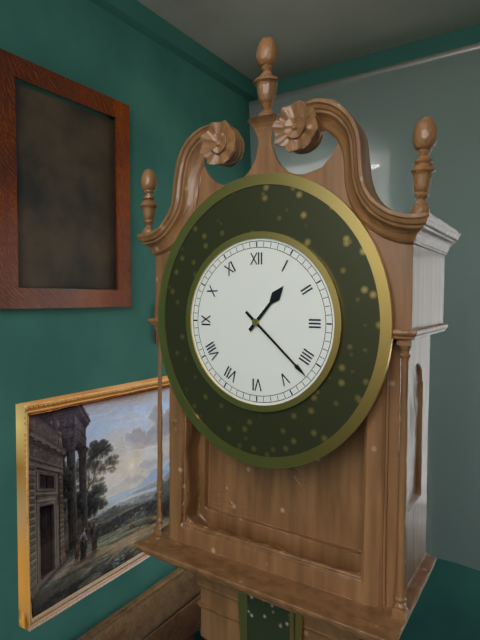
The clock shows 1.22
